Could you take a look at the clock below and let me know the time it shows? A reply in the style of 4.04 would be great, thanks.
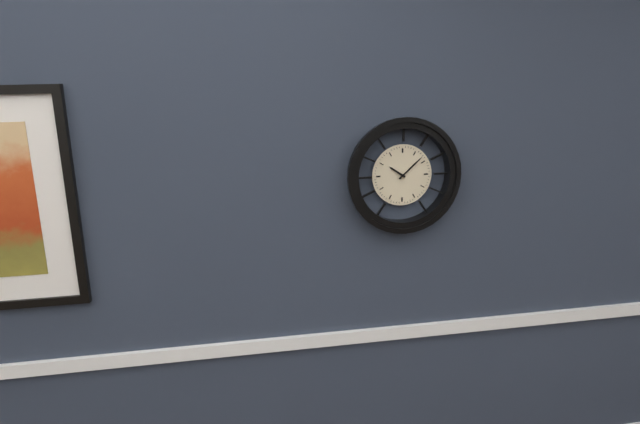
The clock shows 10.08
